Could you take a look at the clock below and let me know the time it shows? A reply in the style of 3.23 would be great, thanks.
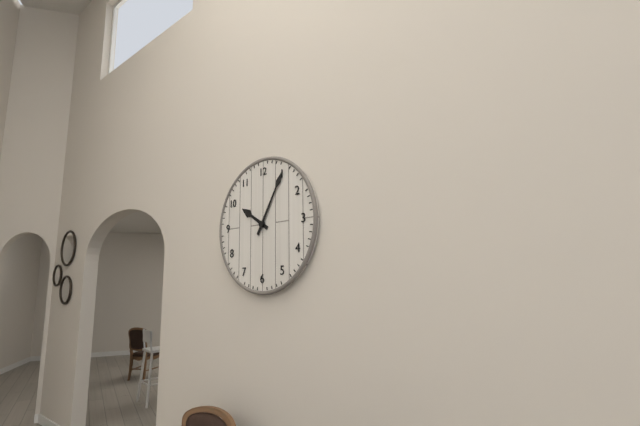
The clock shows 10.05
